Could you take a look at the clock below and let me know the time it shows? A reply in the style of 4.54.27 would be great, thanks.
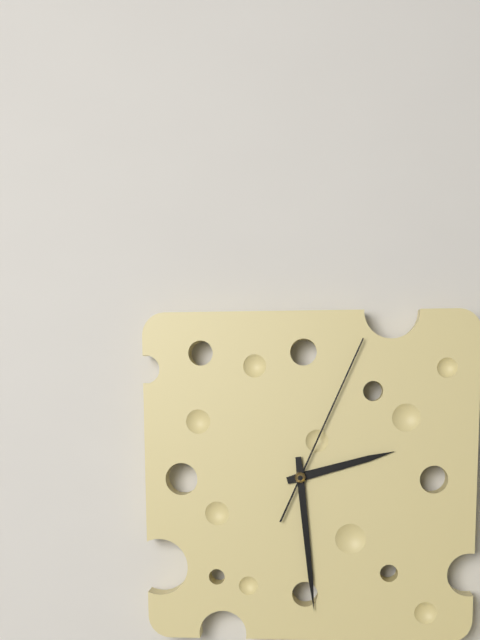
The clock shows 2.29.04
